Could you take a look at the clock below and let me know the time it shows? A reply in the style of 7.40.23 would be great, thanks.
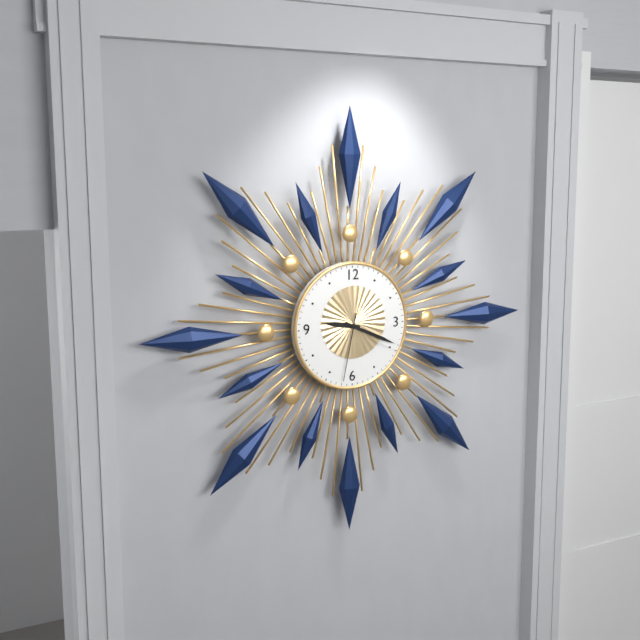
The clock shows 9.19.32
